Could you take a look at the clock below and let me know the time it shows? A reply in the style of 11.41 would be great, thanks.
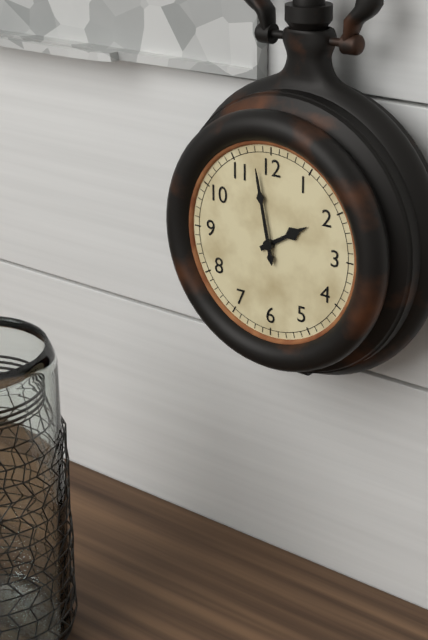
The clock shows 1.58
